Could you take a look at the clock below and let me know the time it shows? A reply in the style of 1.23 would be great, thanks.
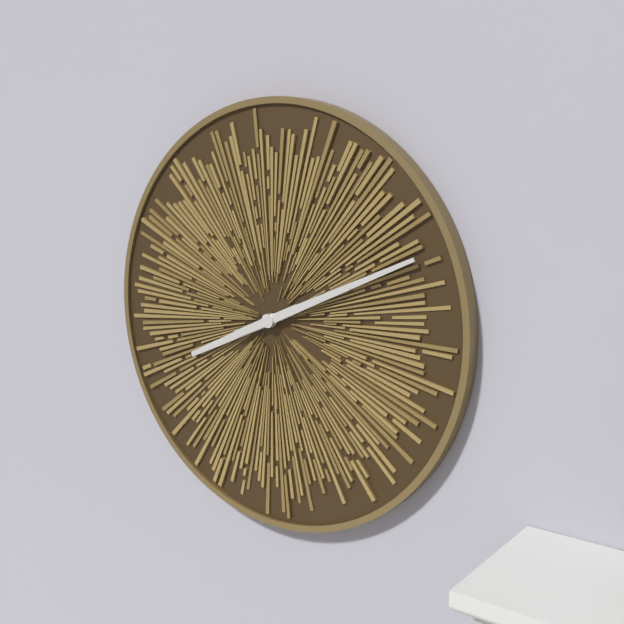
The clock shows 8.11
